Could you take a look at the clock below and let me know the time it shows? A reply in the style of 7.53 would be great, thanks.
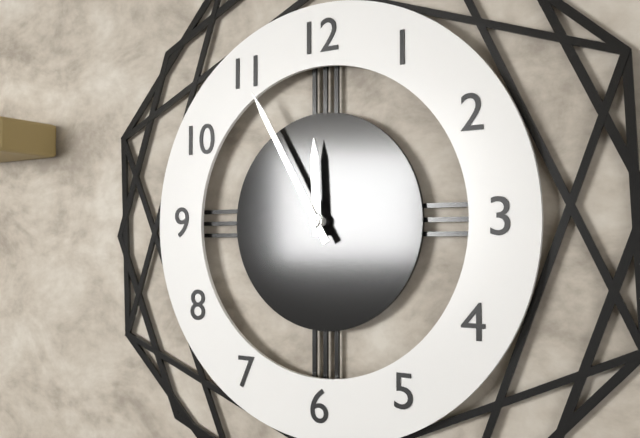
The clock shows 11.55
